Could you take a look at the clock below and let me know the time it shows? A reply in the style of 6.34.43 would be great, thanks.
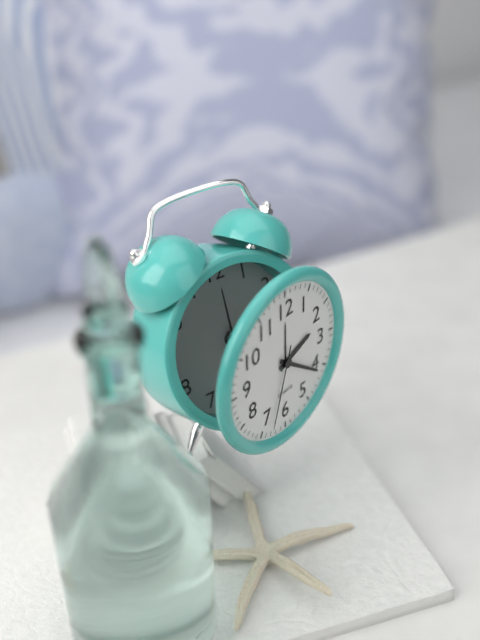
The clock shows 2.21.33
